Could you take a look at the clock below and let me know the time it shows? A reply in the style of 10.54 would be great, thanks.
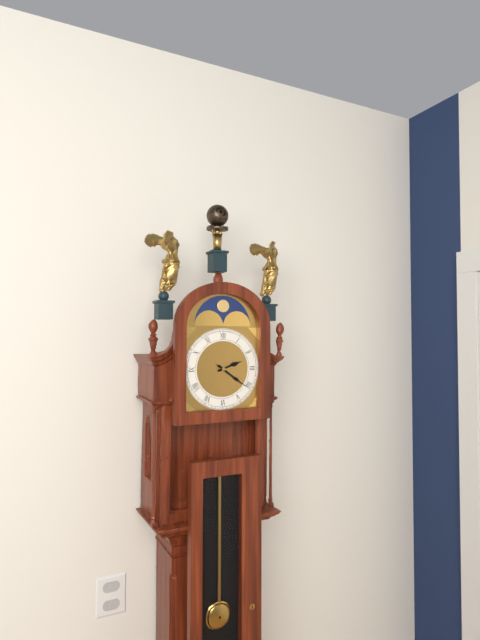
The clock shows 2.21
